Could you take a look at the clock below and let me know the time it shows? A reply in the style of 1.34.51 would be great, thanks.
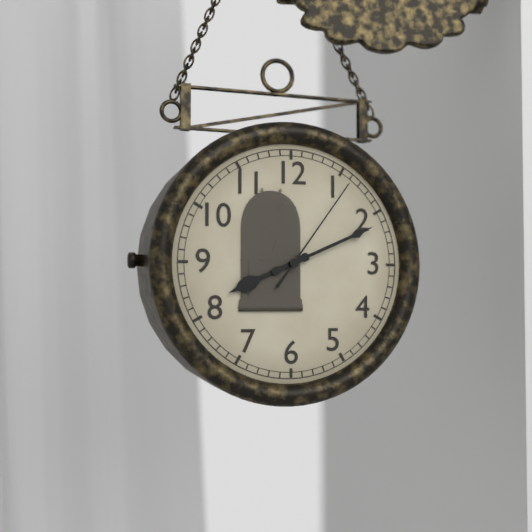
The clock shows 8.11.06
